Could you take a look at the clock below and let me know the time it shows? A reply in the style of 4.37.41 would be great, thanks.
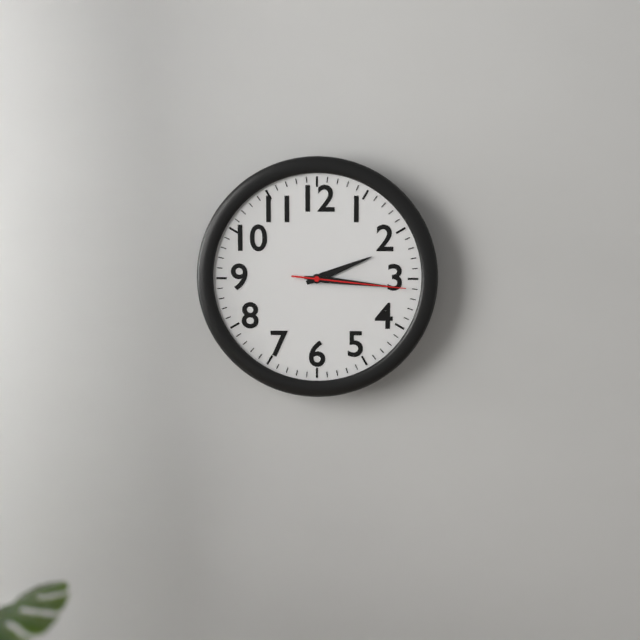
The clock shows 2.16.16
